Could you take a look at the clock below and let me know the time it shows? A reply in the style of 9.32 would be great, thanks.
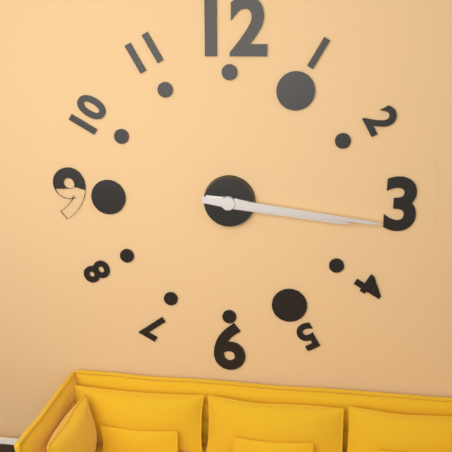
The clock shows 3.16
